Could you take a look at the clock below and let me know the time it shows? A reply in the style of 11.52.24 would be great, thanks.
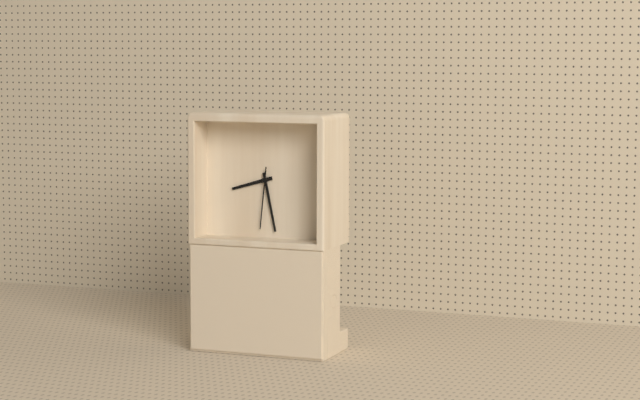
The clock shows 8.28.31
